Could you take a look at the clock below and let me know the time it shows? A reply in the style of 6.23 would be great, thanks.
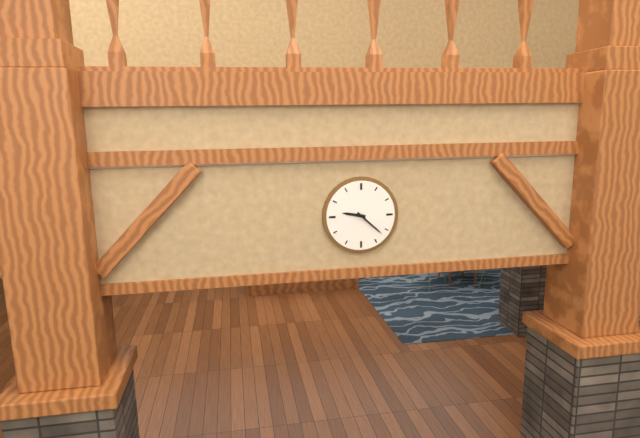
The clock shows 9.22
